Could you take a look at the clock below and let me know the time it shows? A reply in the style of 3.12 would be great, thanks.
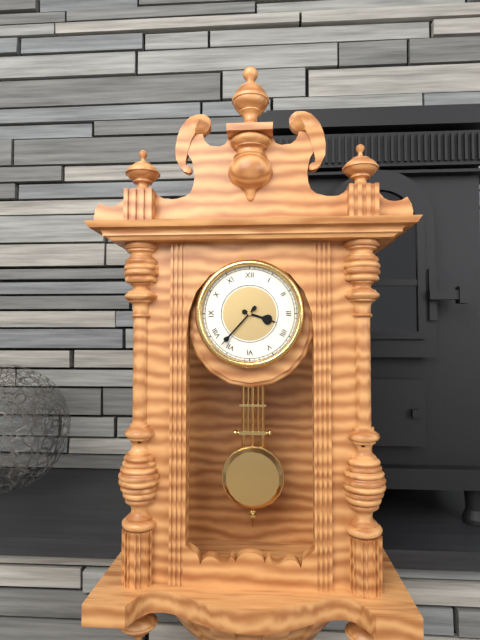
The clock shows 3.37
